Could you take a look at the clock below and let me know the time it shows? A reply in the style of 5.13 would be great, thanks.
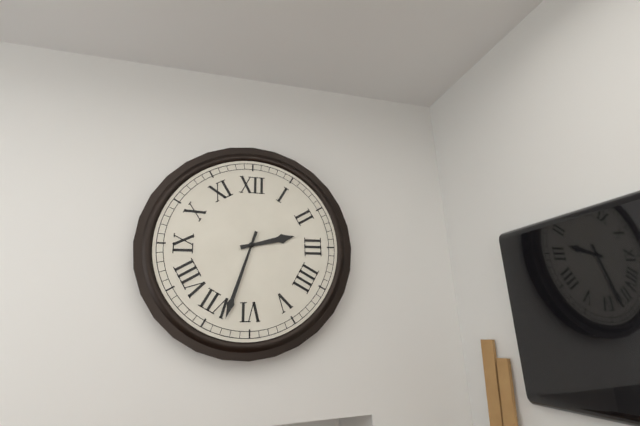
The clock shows 2.33
